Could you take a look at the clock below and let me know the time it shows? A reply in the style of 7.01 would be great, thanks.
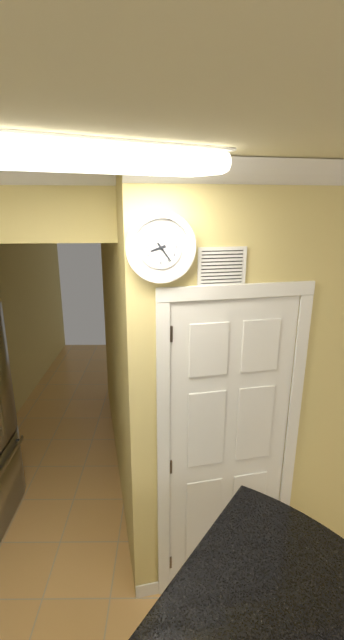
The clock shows 8.24
